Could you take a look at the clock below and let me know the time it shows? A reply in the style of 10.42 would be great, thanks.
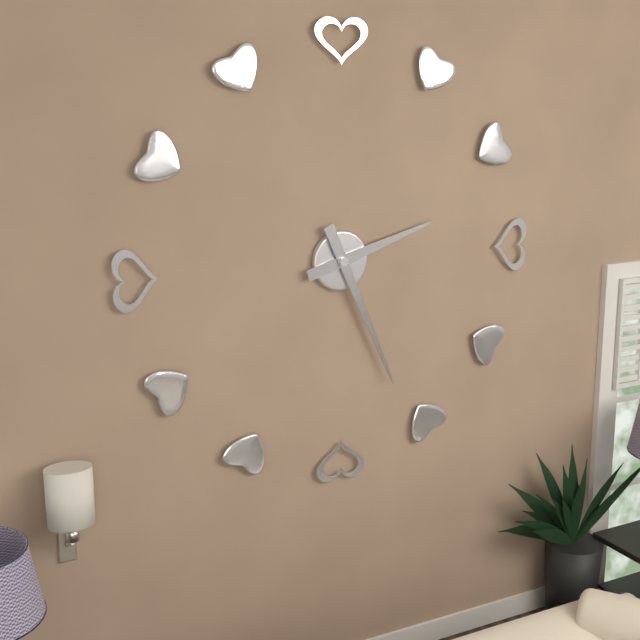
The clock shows 2.26
